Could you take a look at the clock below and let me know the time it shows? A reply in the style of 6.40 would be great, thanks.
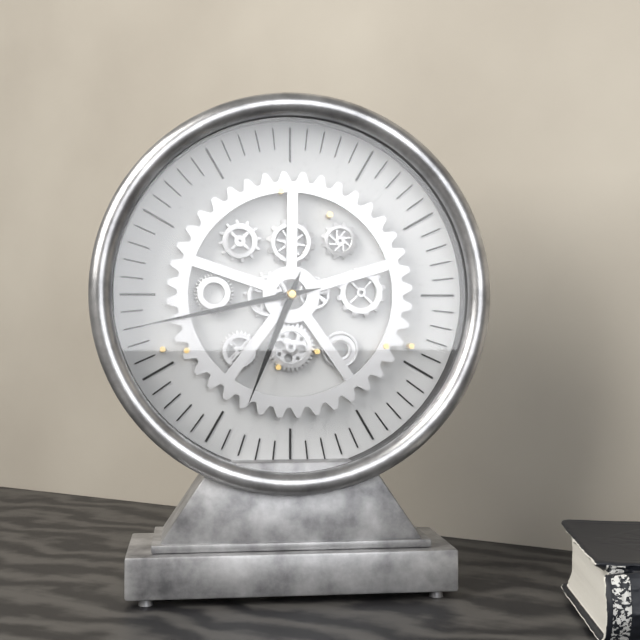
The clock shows 6.43
